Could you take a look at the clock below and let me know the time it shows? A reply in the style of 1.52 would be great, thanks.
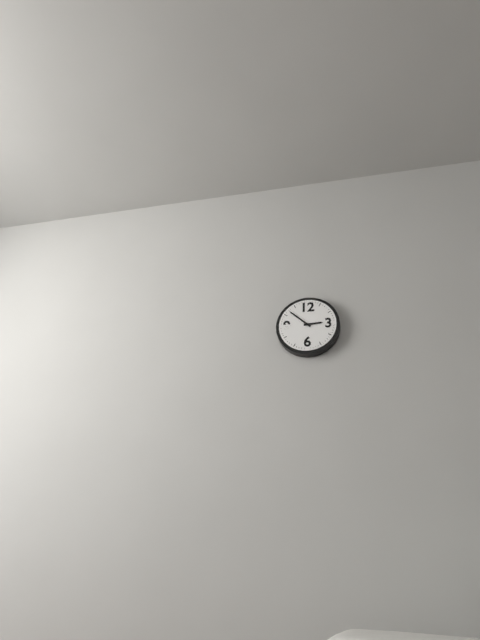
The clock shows 2.52
